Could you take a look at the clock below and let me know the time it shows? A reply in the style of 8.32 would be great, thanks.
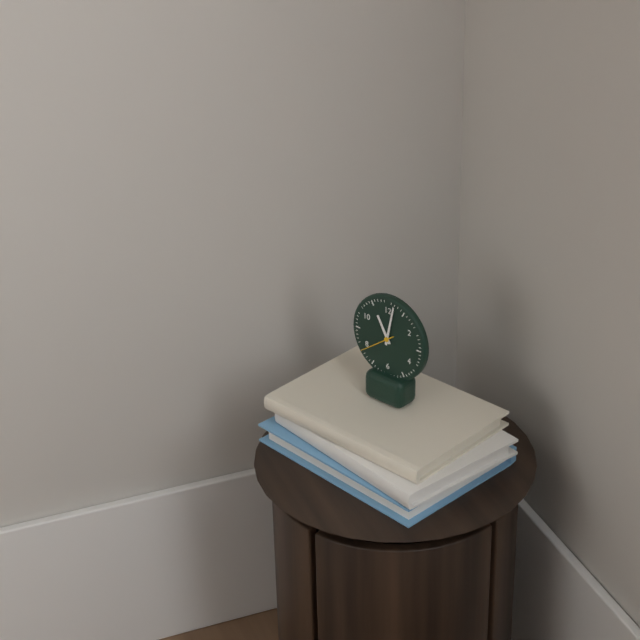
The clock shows 11.02
